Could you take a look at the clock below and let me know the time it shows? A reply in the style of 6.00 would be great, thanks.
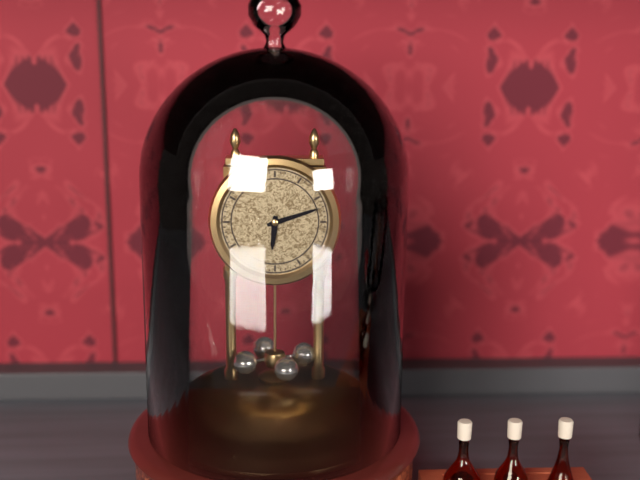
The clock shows 6.12
